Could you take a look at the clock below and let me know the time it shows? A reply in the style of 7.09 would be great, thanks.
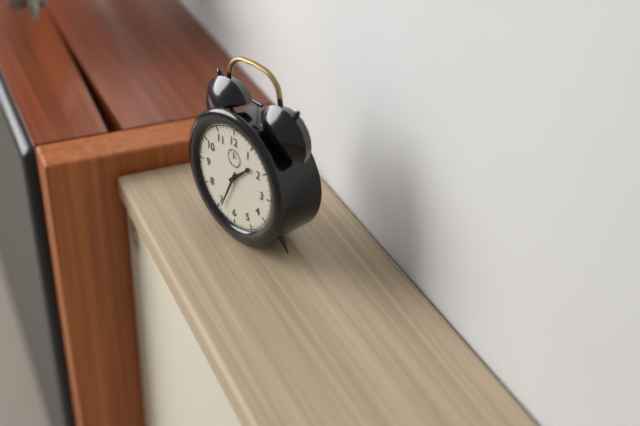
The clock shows 1.34
